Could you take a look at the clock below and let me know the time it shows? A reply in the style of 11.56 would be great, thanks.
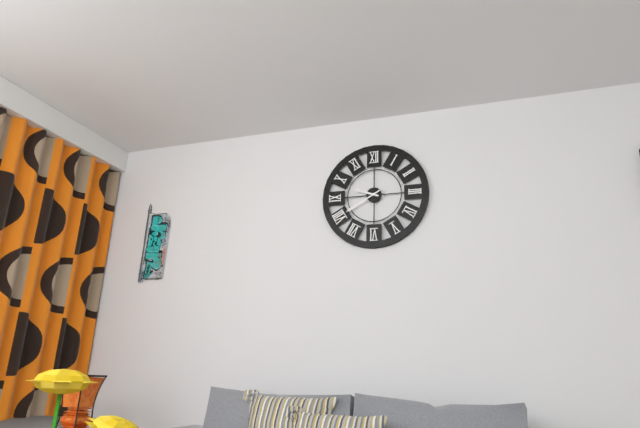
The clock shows 9.40
